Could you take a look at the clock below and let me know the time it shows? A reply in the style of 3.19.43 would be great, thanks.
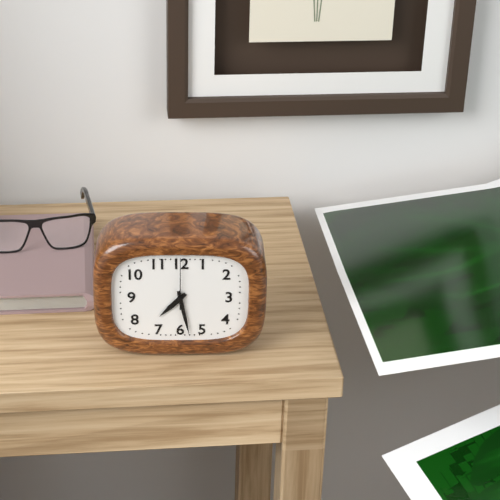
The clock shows 7.28.00
